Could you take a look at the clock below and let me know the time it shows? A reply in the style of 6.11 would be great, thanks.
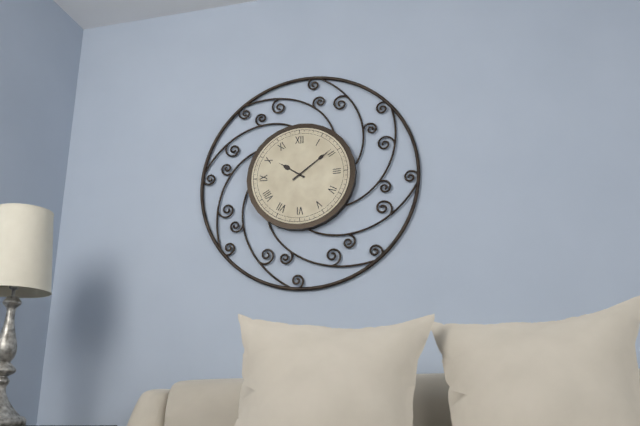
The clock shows 10.09
